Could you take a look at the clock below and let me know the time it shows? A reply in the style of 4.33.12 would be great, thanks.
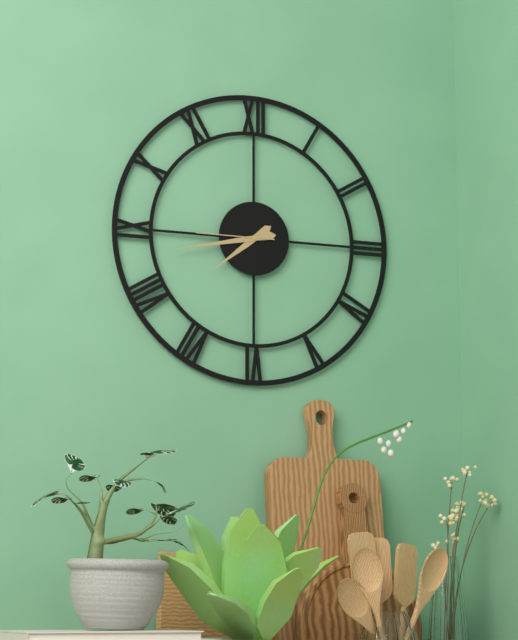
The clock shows 7.43.45
